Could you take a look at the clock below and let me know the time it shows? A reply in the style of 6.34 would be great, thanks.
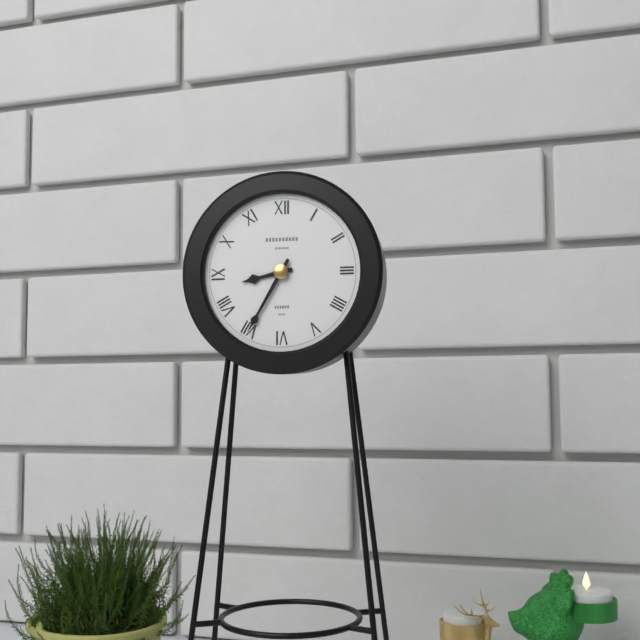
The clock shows 8.35
